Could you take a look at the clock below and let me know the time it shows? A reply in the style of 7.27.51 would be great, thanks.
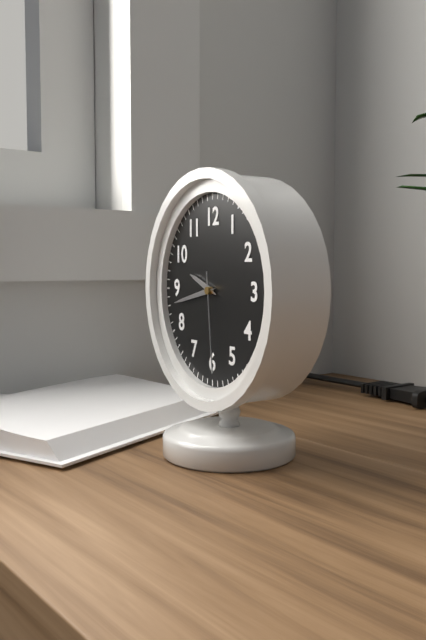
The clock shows 9.43.29
